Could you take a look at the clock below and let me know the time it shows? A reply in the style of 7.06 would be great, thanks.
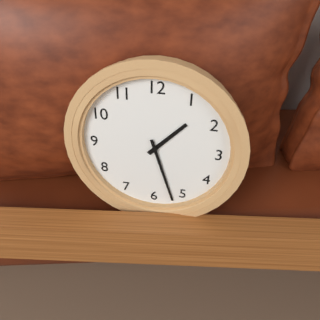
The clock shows 1.27
